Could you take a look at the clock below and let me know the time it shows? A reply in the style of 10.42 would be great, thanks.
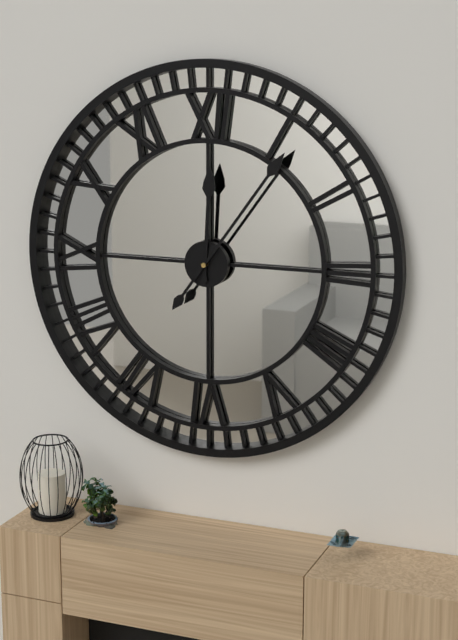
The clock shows 12.06
